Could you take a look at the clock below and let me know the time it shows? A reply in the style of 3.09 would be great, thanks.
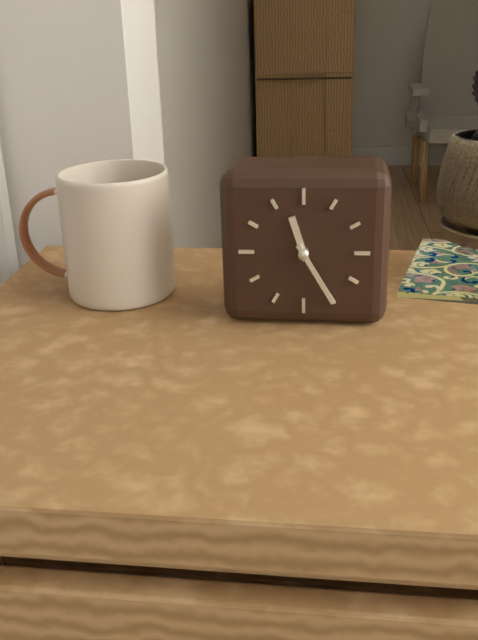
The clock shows 11.25
